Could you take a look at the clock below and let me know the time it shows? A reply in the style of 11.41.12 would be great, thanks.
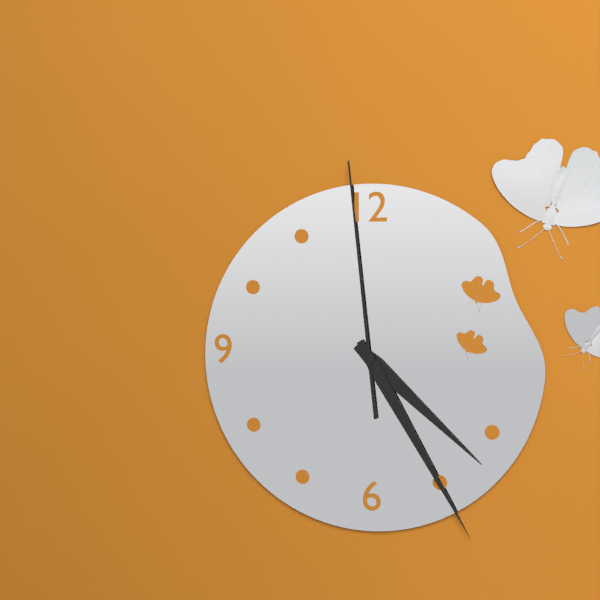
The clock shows 4.25.59
